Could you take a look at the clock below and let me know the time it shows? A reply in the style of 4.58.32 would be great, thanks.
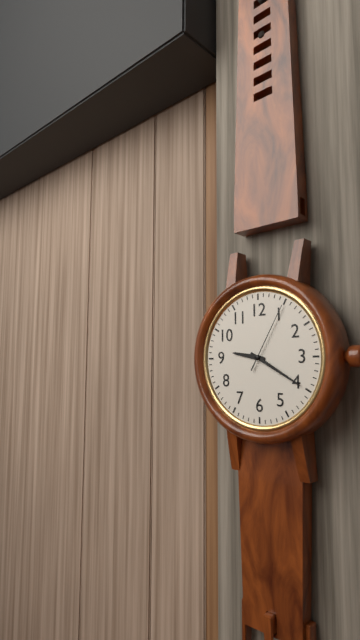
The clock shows 9.20.05
